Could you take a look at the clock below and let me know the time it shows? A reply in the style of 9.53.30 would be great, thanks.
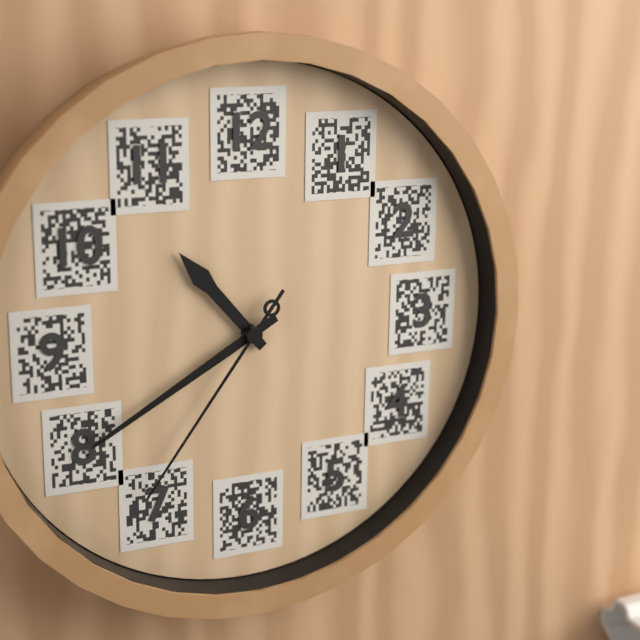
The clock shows 10.40.36
